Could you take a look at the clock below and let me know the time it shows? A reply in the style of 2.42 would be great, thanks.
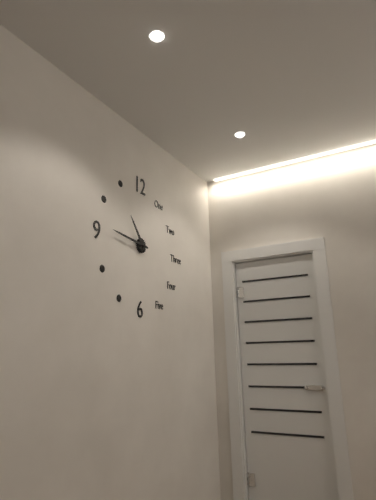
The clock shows 10.46
